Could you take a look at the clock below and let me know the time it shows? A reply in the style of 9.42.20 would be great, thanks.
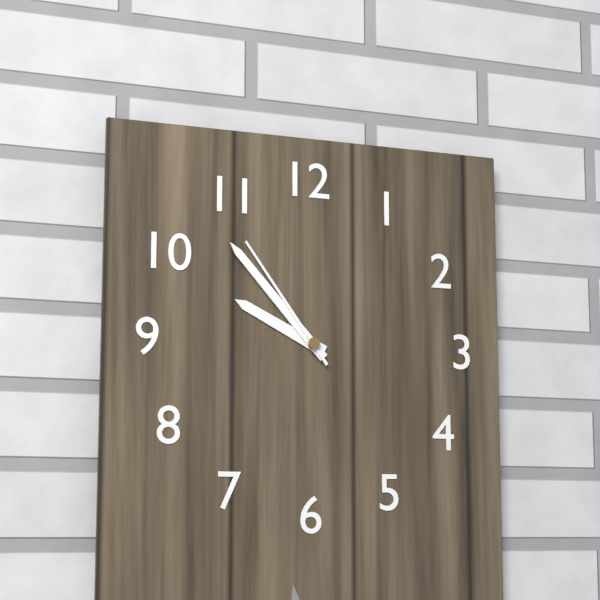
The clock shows 9.53.54
